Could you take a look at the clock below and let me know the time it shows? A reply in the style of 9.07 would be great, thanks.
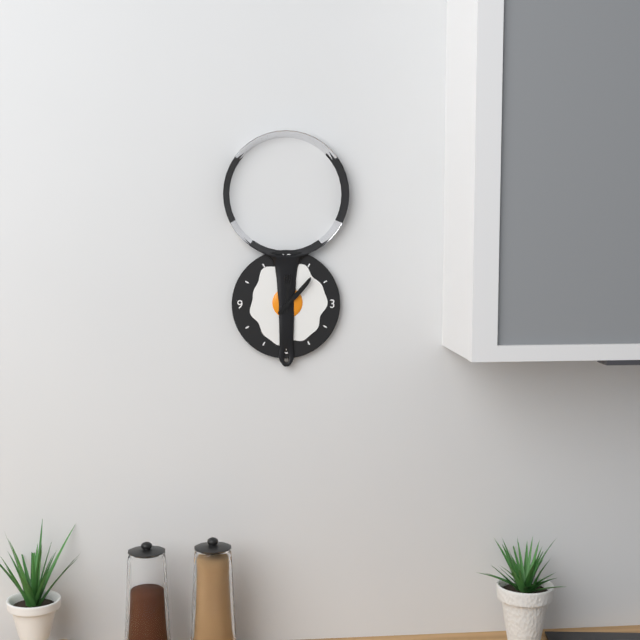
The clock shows 12.07
